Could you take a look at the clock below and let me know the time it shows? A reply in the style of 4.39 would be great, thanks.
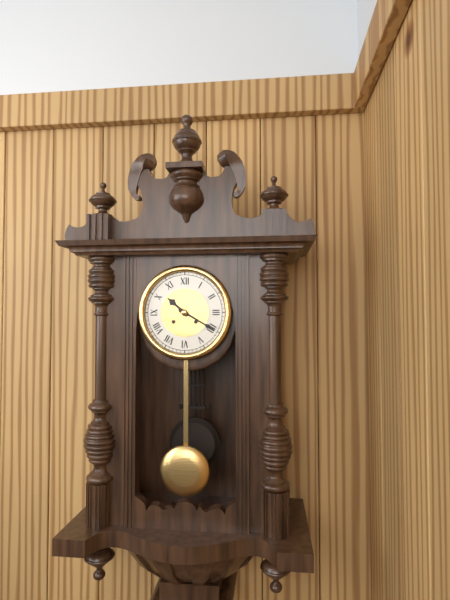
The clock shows 10.20
